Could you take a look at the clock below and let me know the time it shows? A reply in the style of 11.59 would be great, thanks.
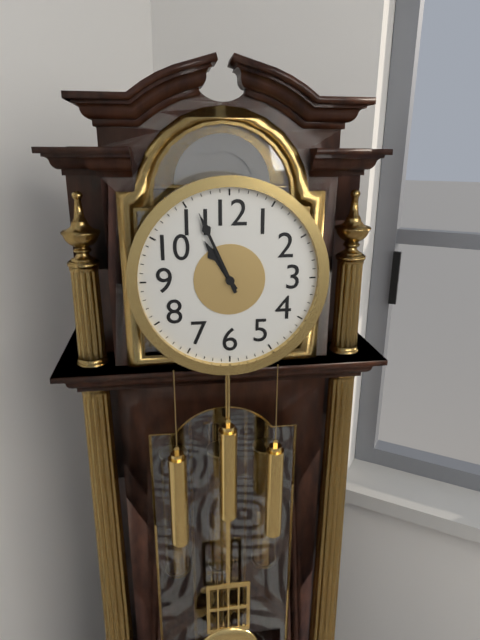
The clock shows 10.56
